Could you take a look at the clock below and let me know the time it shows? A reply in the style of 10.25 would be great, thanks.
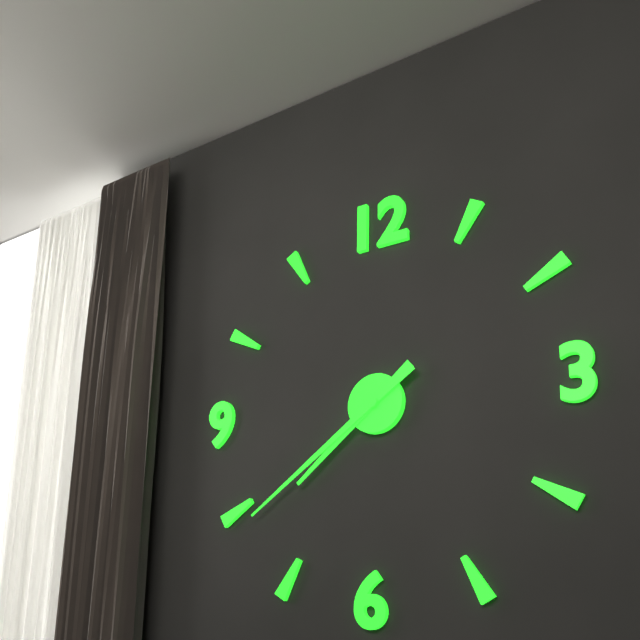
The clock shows 7.39
